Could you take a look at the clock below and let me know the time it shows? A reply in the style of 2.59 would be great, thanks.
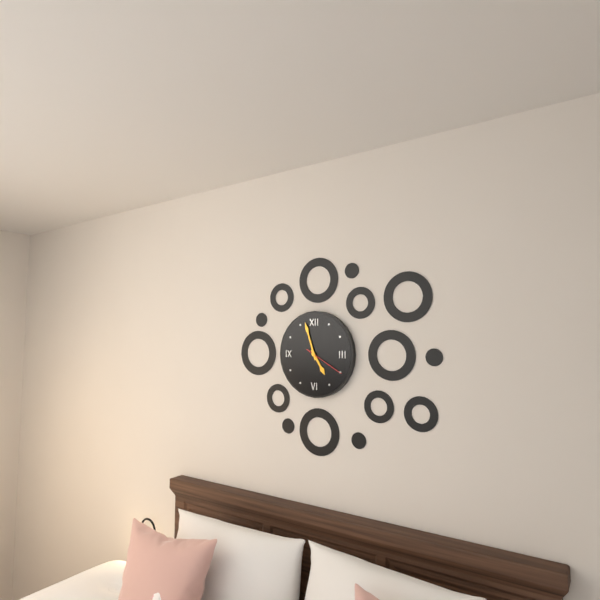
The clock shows 4.57
